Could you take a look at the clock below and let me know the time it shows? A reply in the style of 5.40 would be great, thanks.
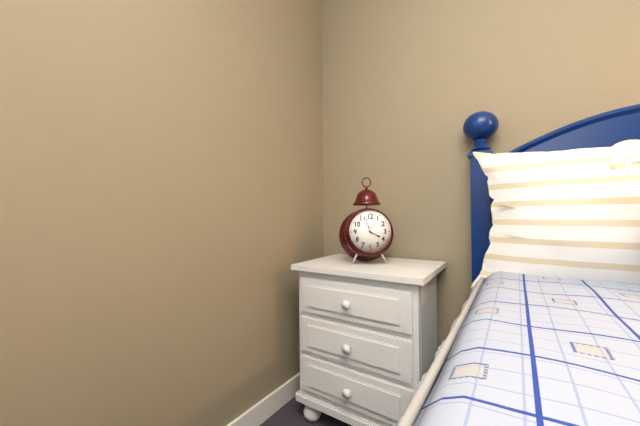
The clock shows 3.57
